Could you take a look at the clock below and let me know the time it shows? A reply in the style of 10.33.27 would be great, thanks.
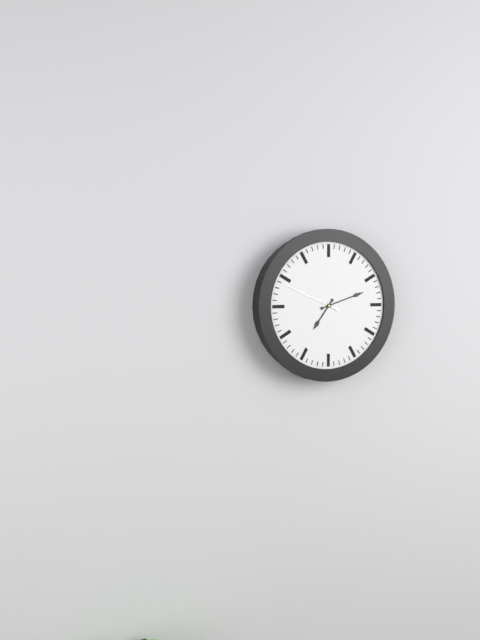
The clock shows 7.12.49
